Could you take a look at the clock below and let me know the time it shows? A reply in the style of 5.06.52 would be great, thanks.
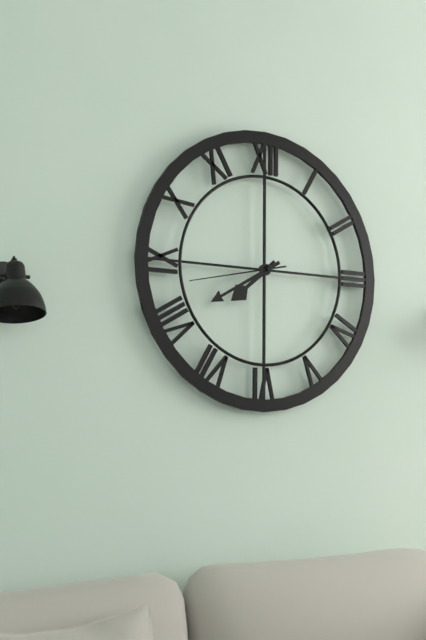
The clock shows 7.40.43
